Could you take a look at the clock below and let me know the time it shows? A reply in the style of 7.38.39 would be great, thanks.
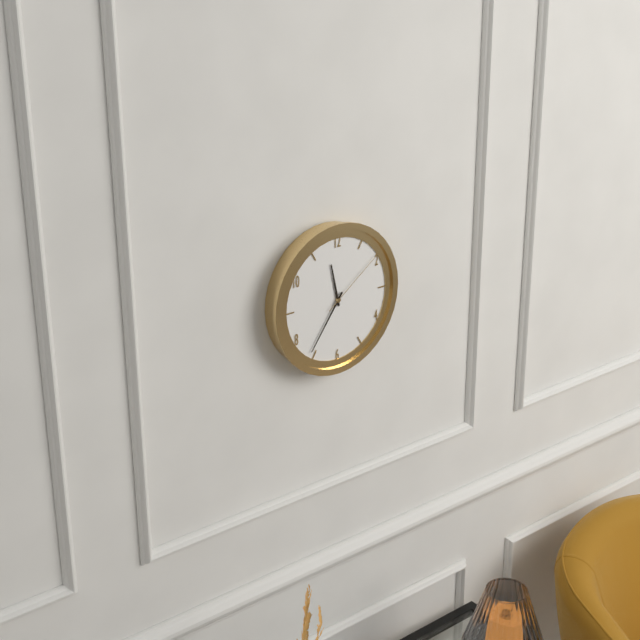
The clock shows 11.36.09
